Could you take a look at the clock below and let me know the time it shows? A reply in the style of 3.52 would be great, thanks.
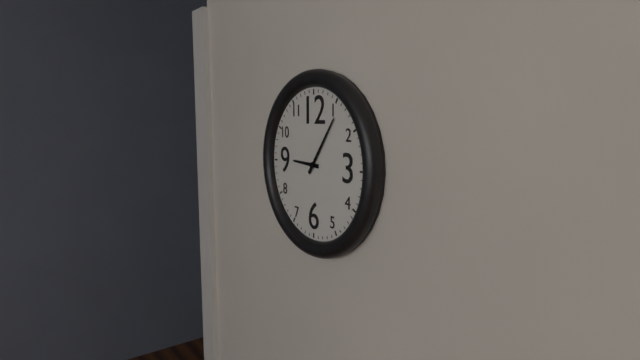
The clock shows 9.06
